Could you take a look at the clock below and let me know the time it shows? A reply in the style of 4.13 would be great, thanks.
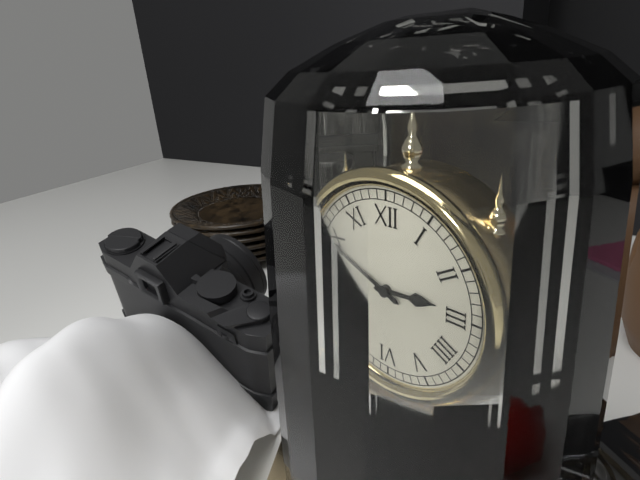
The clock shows 2.49
